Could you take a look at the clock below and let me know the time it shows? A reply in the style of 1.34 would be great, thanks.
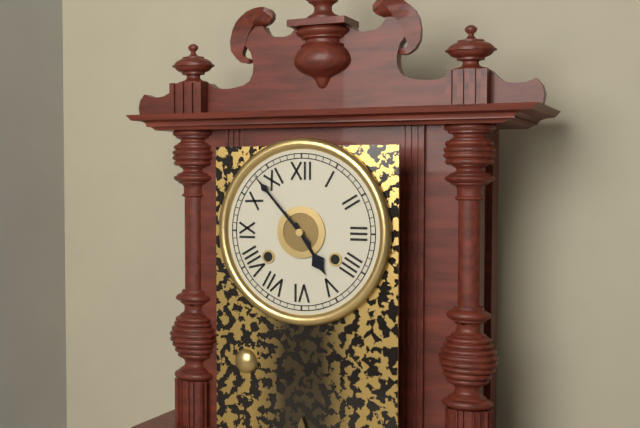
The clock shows 4.53
